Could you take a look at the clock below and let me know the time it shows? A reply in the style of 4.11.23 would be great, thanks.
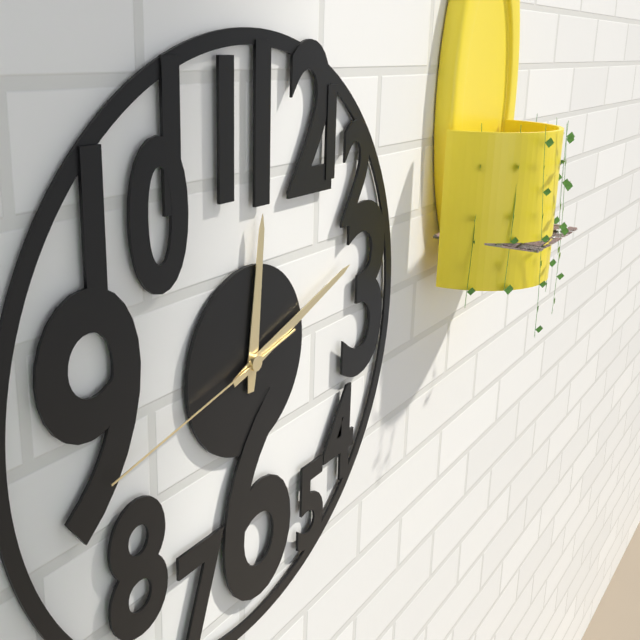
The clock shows 12.12.43
